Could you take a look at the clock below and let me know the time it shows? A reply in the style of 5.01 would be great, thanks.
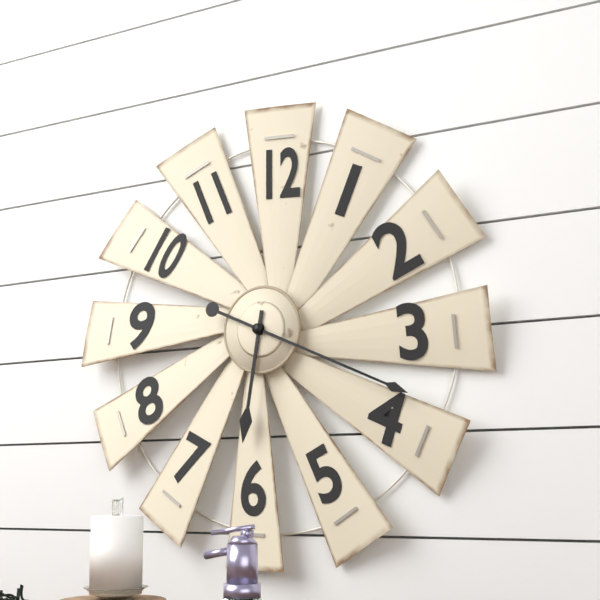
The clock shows 6.19
